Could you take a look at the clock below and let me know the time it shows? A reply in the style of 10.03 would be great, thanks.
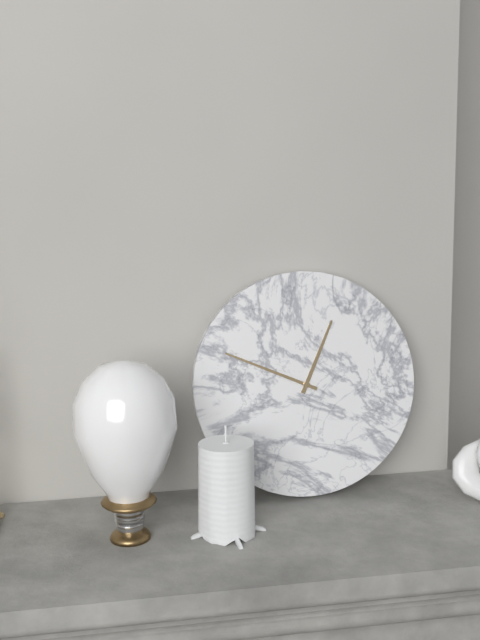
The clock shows 12.49
